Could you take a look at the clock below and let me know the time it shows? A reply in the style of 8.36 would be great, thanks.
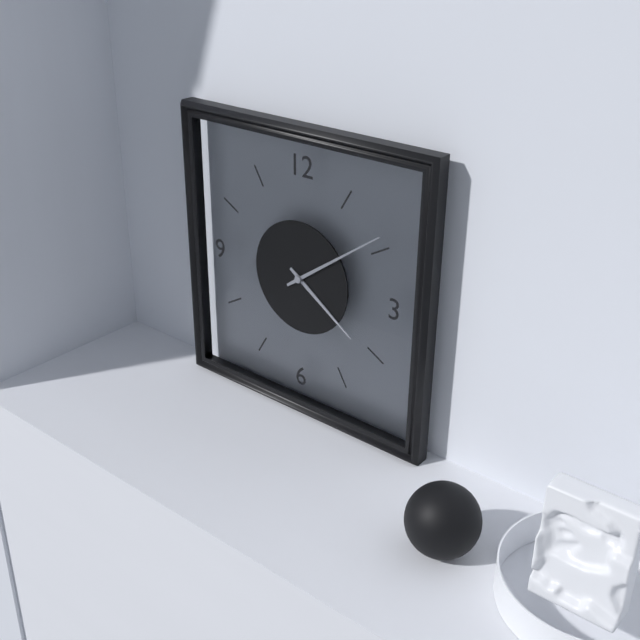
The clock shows 4.09
